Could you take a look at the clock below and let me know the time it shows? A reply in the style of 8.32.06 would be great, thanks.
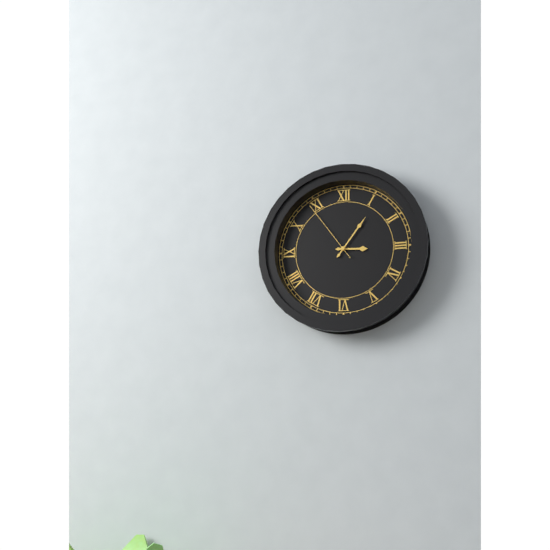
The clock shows 3.06.54
